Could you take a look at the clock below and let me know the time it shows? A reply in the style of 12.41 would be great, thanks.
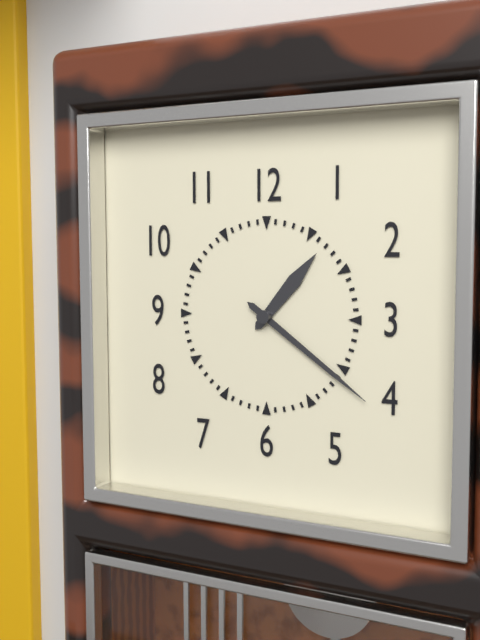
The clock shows 1.21
